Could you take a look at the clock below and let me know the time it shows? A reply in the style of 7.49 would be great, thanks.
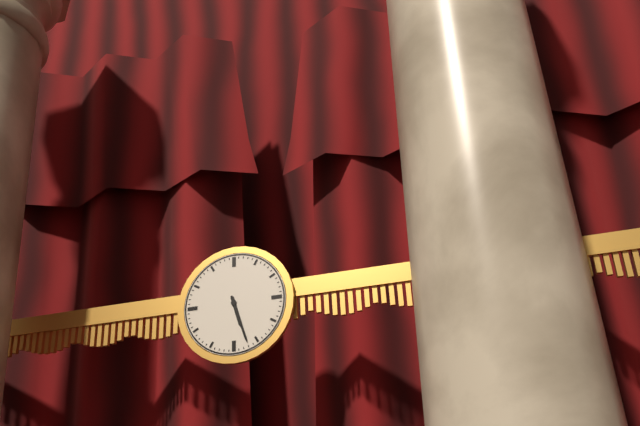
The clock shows 5.27
